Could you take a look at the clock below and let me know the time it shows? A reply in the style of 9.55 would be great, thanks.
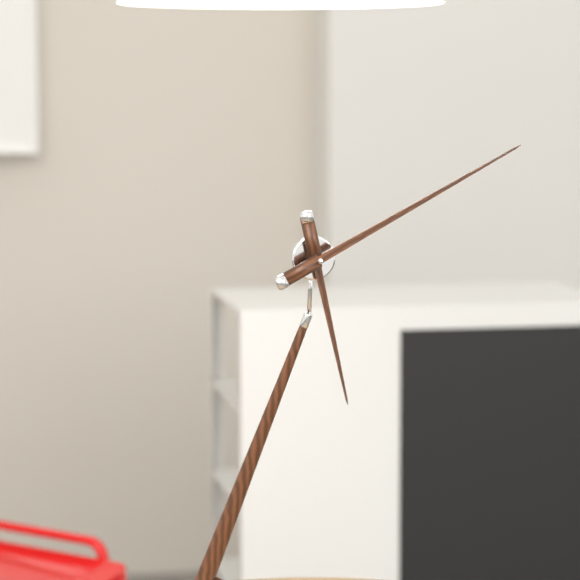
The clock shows 5.08
